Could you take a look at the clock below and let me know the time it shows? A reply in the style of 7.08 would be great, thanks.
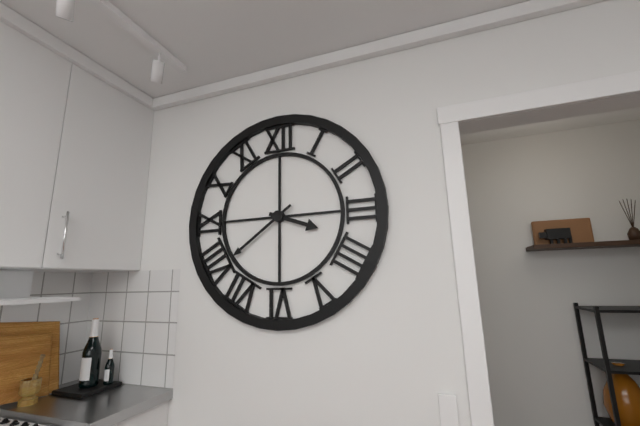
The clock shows 3.39
